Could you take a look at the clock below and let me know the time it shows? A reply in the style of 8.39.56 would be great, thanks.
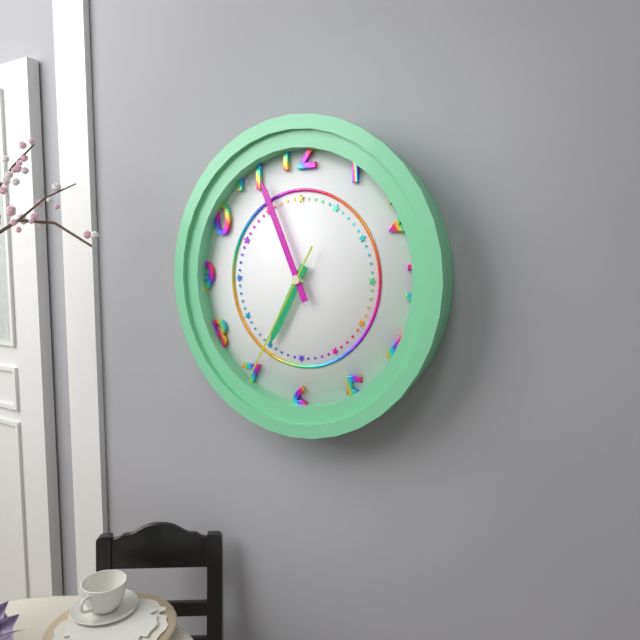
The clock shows 6.56.35
